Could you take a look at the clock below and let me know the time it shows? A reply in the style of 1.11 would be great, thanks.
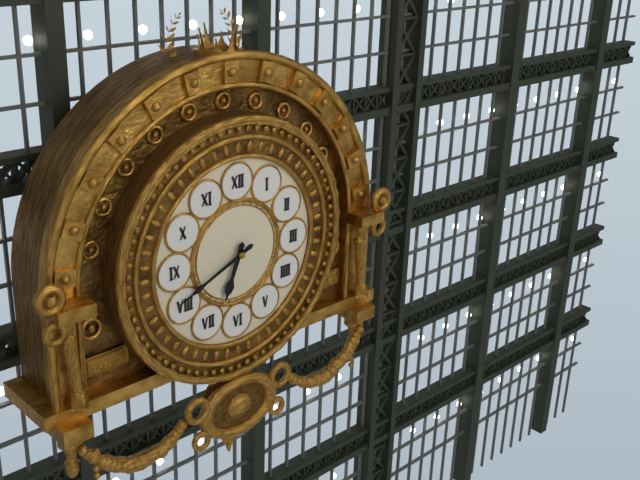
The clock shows 6.41
